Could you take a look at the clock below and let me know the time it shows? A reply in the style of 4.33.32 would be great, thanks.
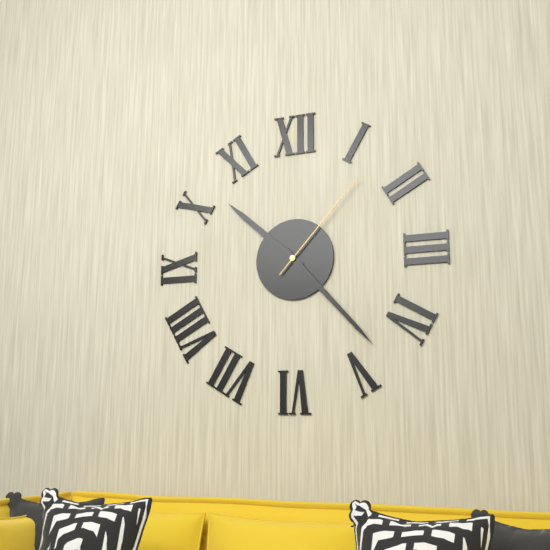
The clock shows 10.23.07
